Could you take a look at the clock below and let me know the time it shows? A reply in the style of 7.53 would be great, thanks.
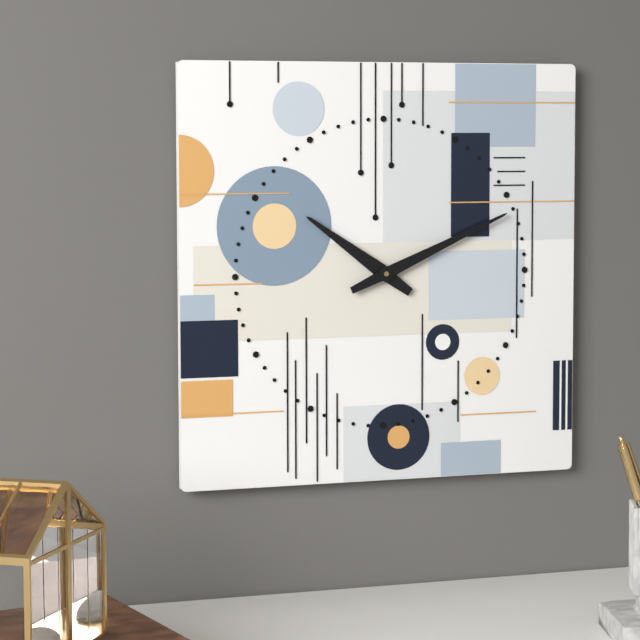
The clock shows 10.11
